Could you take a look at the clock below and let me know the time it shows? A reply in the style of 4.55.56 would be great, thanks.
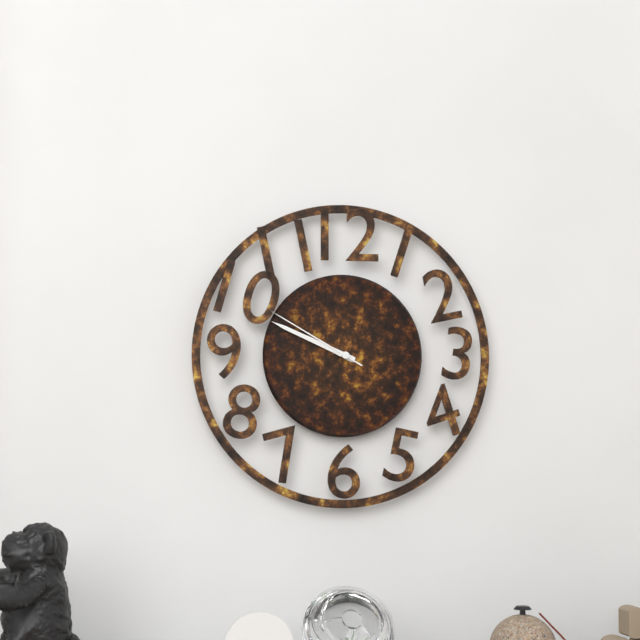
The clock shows 9.49.50
